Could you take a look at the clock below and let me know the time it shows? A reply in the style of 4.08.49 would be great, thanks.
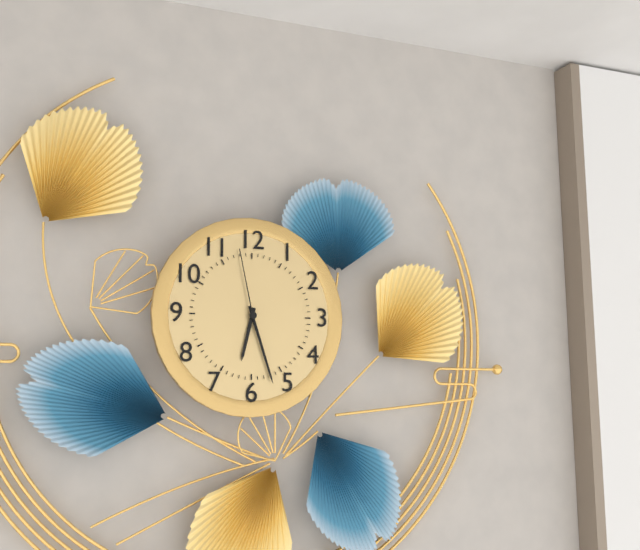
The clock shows 6.27.58
